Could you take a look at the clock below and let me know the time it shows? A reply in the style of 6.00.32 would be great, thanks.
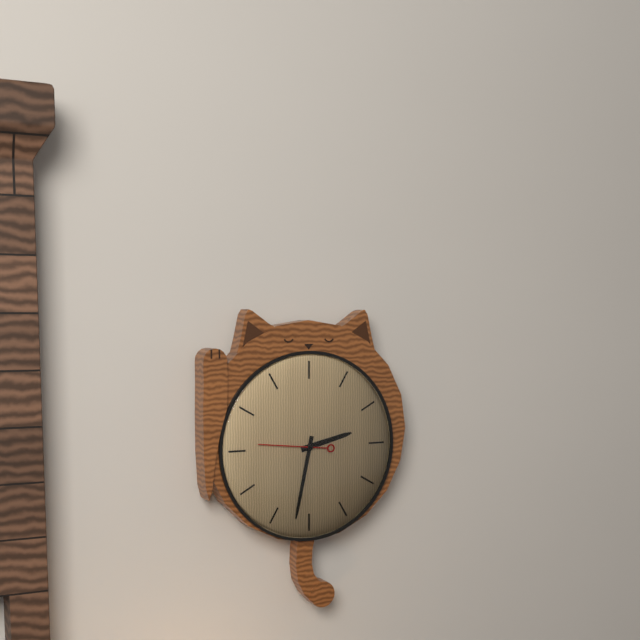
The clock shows 2.32.46
